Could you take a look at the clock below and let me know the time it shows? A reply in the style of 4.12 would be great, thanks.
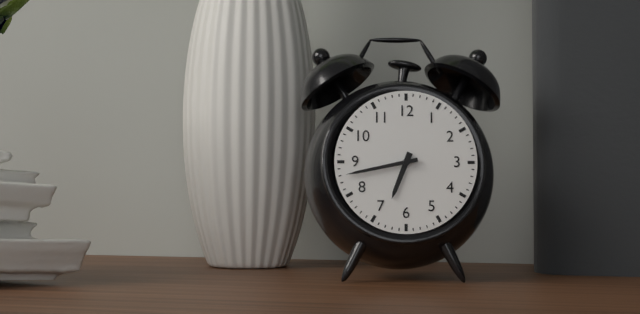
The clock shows 6.43
